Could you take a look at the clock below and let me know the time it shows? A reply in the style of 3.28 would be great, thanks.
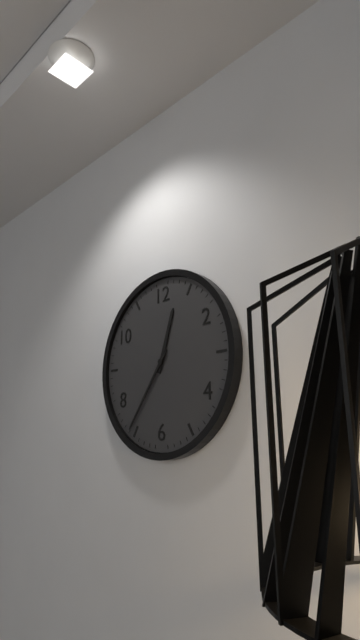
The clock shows 12.36
